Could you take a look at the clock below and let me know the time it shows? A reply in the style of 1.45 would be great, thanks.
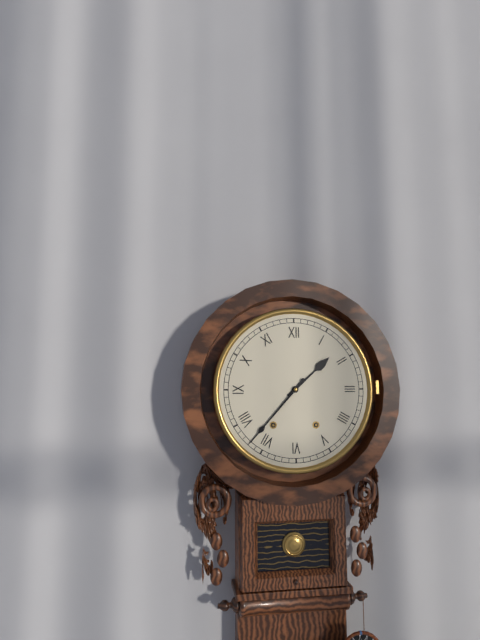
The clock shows 1.37
